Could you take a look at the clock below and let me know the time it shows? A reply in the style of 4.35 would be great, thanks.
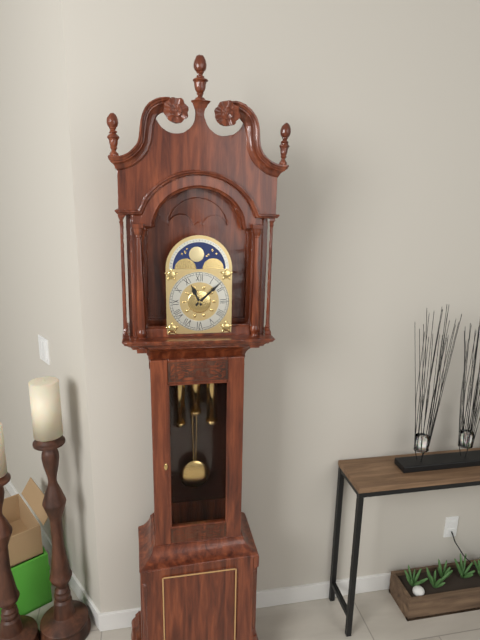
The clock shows 11.08
